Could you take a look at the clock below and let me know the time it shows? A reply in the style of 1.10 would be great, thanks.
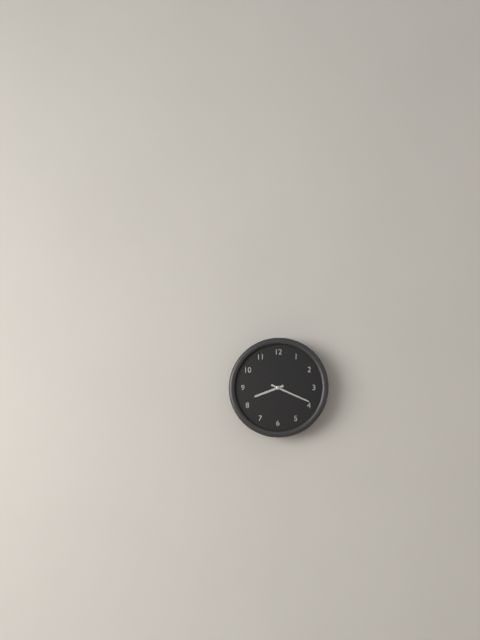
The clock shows 8.19
